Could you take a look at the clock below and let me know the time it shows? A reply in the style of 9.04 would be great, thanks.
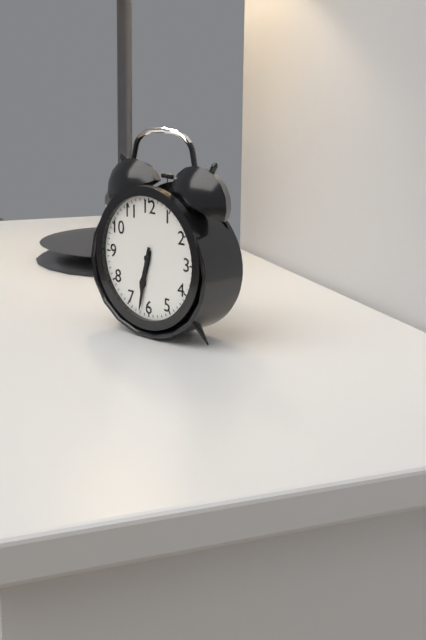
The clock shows 6.32
